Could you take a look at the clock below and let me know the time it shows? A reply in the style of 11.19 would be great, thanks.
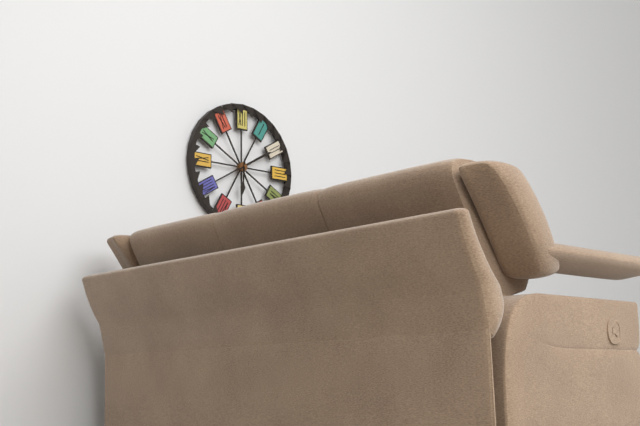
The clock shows 6.10
